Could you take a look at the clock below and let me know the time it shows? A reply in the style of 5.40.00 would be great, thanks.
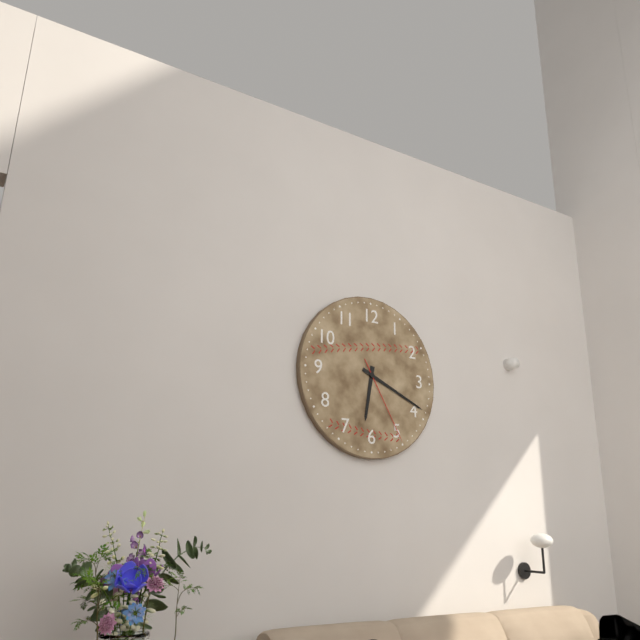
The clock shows 6.19.25
